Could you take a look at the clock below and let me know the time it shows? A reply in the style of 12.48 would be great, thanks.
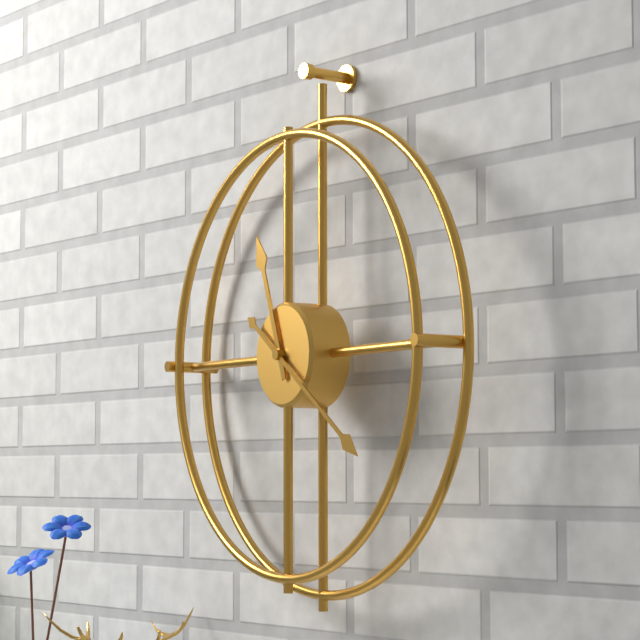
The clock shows 11.21
